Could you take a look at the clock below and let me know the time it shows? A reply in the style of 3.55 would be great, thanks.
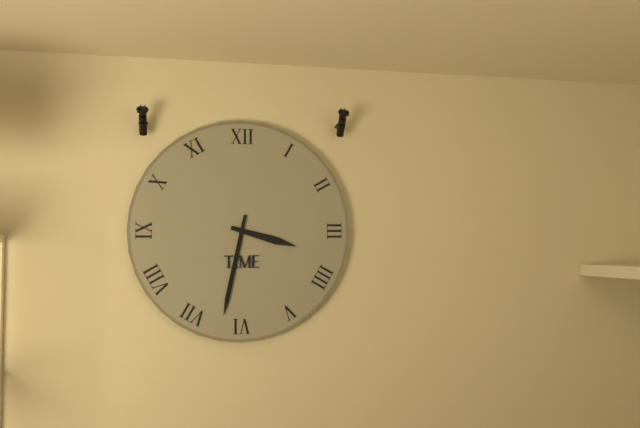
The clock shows 3.32
